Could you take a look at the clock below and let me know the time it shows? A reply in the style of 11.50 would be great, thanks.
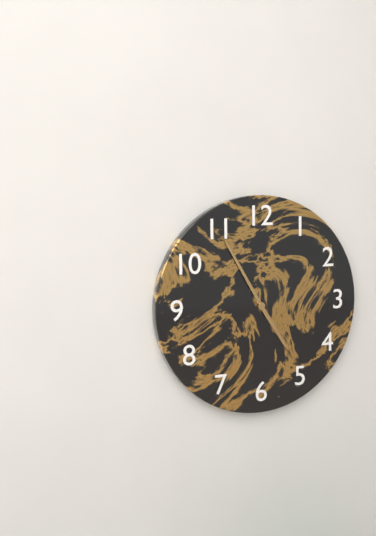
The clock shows 4.55
